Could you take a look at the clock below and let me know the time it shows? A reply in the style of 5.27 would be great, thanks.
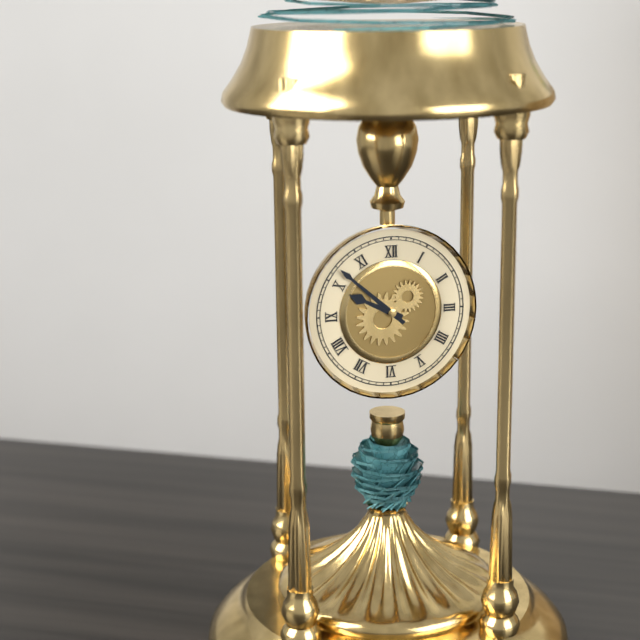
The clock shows 9.52
